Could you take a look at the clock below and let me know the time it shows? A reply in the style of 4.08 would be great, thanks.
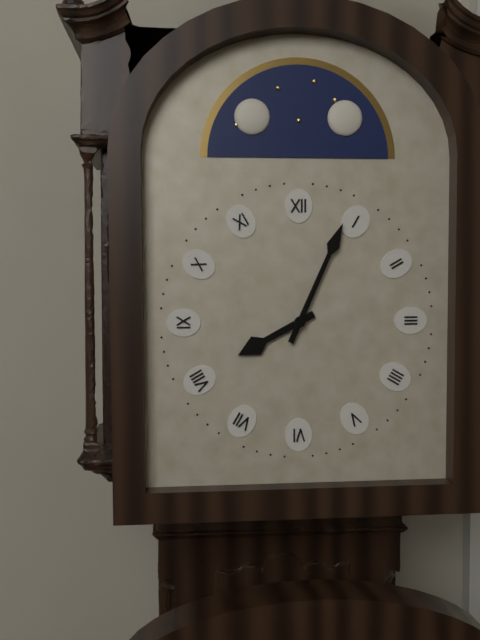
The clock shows 8.04
